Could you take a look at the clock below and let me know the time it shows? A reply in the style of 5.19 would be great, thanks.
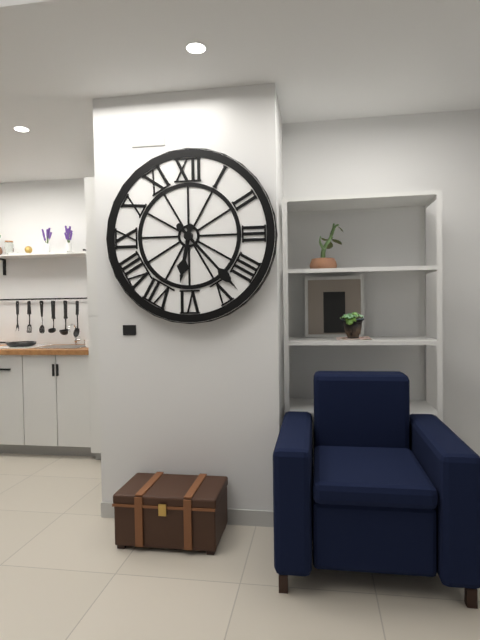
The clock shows 6.23
